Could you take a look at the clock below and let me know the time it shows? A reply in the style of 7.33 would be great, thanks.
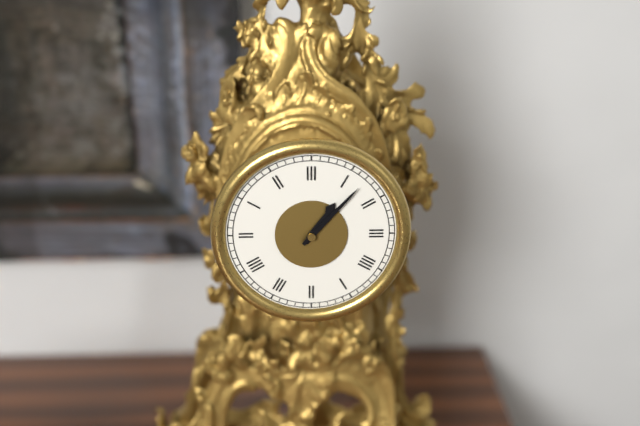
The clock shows 1.07
